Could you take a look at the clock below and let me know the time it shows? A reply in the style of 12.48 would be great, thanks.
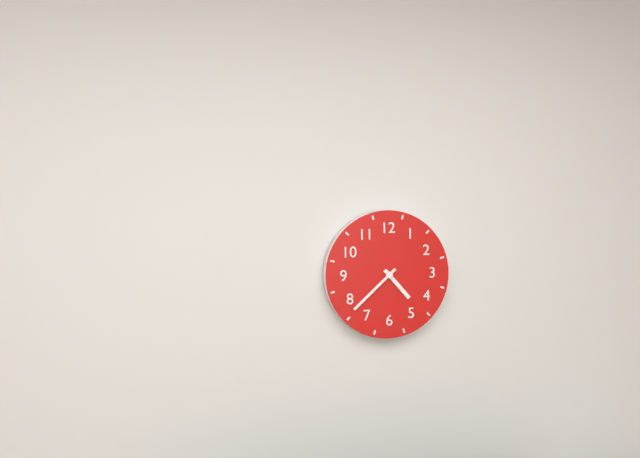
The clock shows 4.38
